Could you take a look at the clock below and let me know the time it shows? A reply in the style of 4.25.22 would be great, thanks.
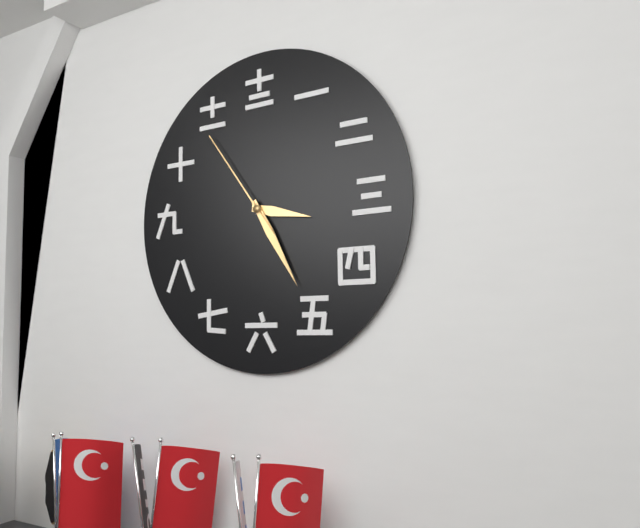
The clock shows 3.25.54
